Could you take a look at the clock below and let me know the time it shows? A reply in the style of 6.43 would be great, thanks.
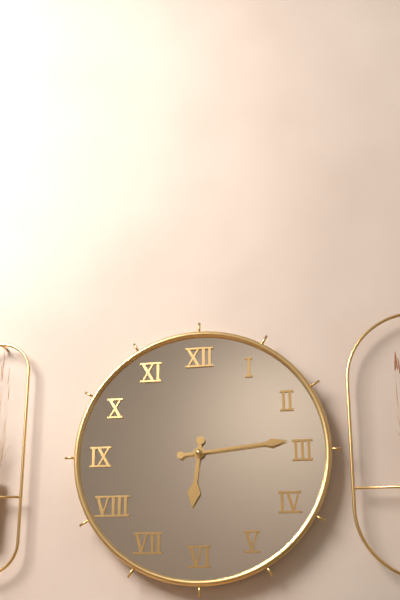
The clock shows 6.14
